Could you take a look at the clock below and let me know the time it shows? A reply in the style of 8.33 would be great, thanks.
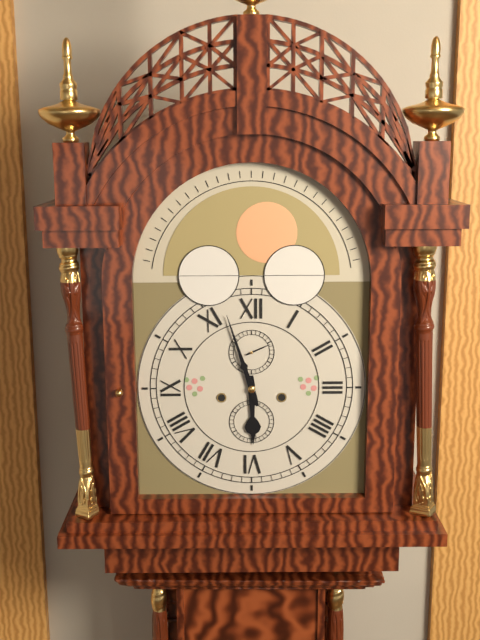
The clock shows 5.57
